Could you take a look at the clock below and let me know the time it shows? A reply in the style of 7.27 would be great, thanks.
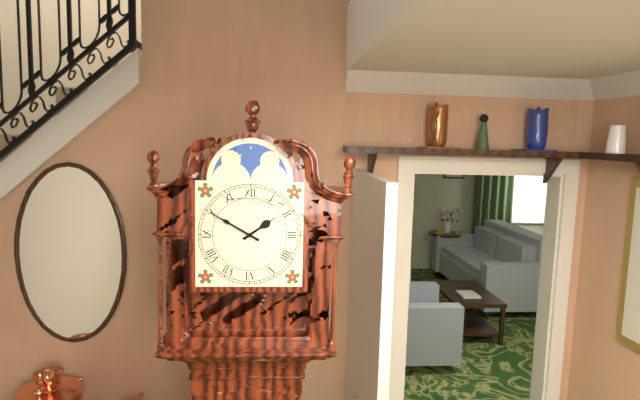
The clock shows 1.50
